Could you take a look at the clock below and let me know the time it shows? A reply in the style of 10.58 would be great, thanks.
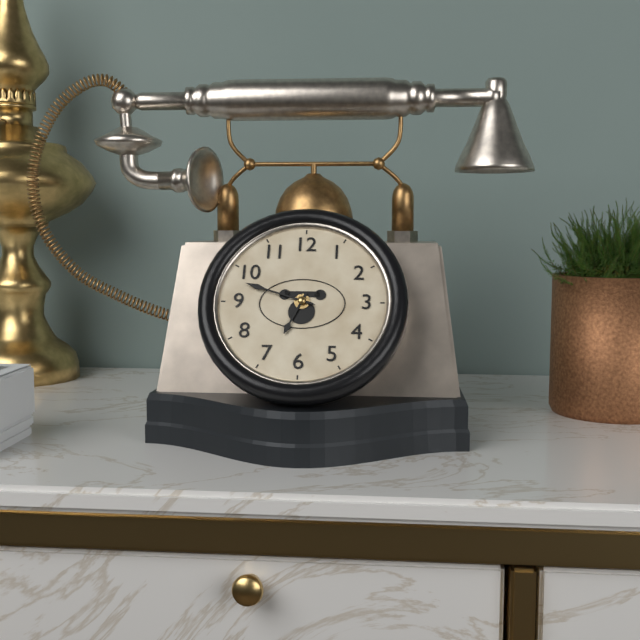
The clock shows 6.48
